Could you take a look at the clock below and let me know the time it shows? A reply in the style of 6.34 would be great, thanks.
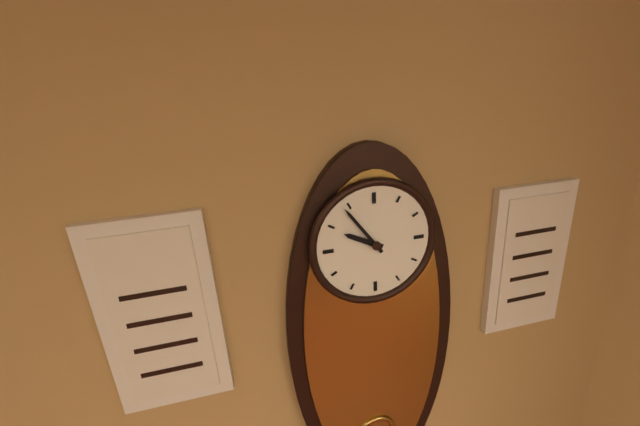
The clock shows 9.54
